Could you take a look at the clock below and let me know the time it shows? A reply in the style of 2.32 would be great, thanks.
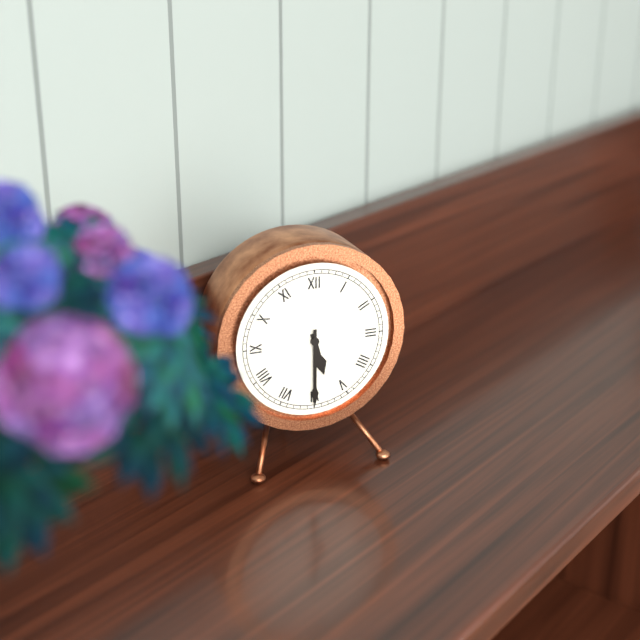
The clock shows 5.30
